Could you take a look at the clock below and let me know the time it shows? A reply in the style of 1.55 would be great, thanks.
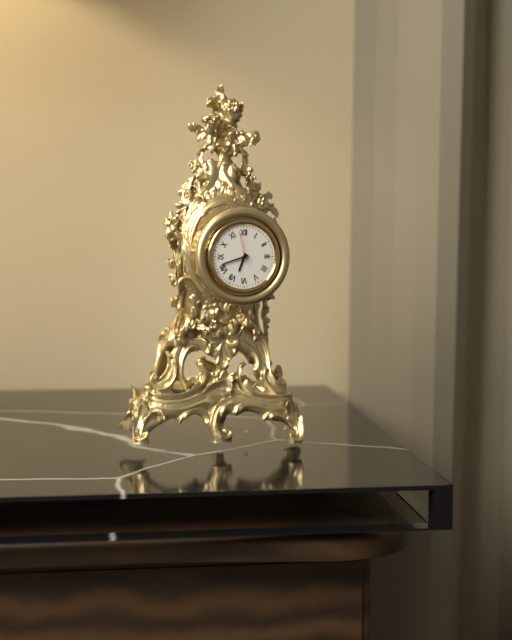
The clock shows 6.42
